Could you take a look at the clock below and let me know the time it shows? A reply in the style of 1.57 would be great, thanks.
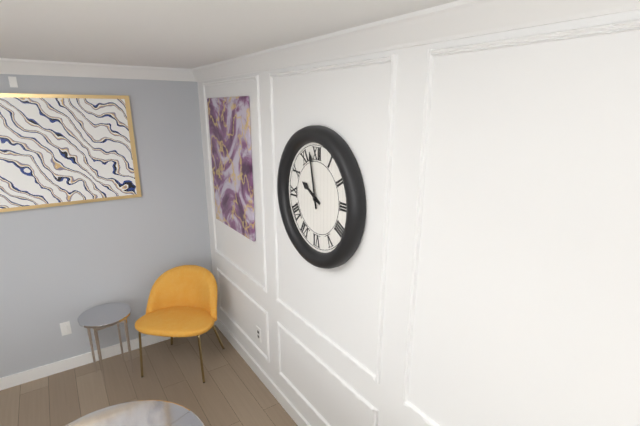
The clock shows 9.58
